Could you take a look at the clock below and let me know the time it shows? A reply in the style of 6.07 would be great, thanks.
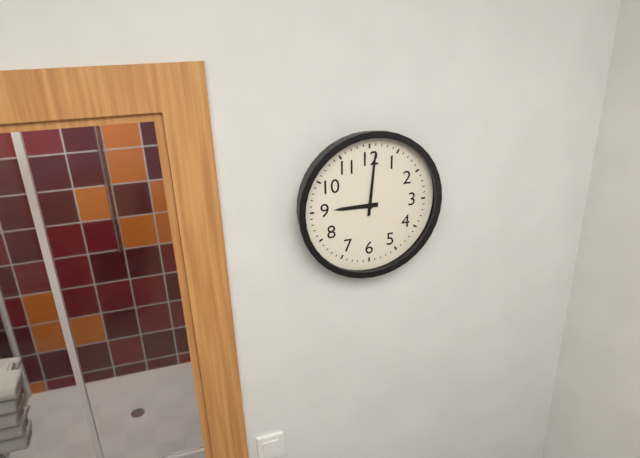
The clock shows 9.01
